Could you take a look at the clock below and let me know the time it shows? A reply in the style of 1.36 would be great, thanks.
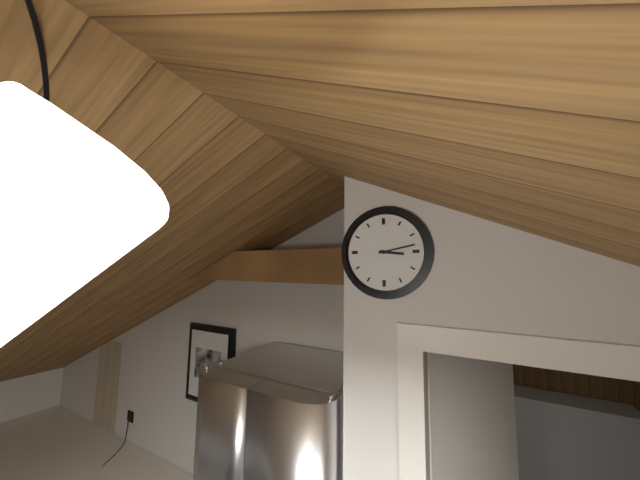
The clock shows 3.13
